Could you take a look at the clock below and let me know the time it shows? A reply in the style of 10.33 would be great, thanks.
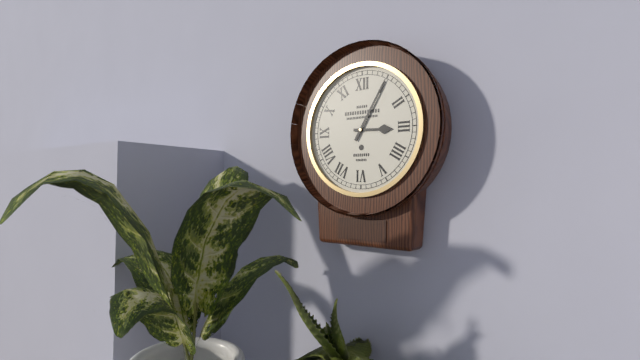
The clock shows 3.05
